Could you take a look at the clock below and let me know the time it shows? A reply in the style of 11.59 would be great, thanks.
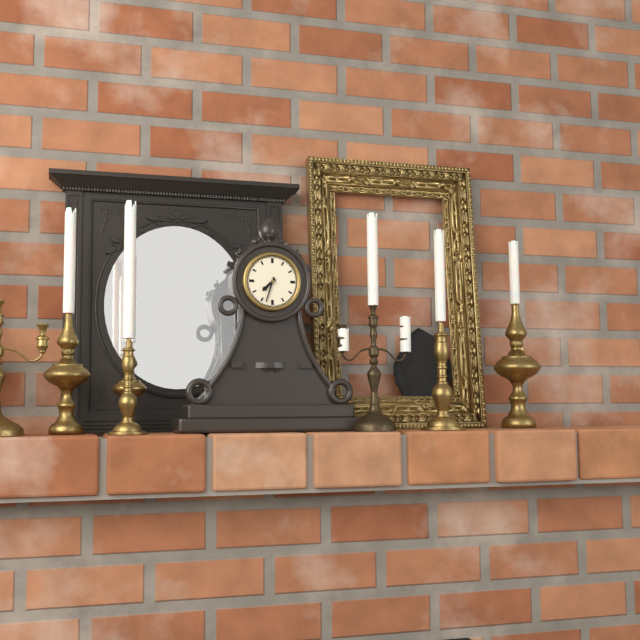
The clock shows 7.33
